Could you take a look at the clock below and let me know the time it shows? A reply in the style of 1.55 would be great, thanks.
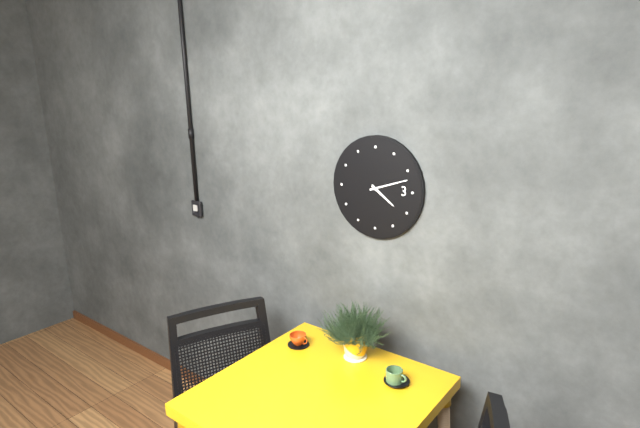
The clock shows 4.12
